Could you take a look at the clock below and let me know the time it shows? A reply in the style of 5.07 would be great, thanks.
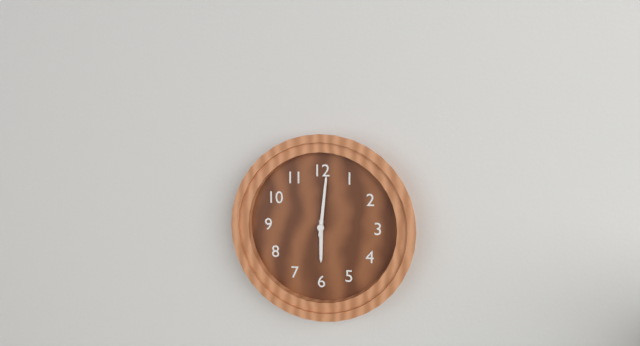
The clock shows 6.01
